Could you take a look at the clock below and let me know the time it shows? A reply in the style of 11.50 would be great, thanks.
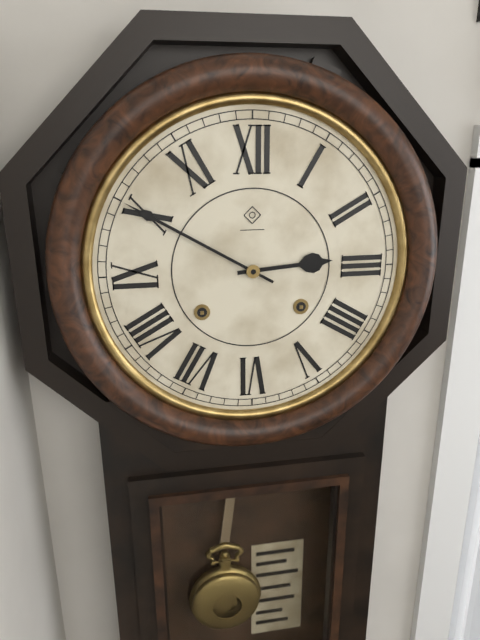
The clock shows 2.50
